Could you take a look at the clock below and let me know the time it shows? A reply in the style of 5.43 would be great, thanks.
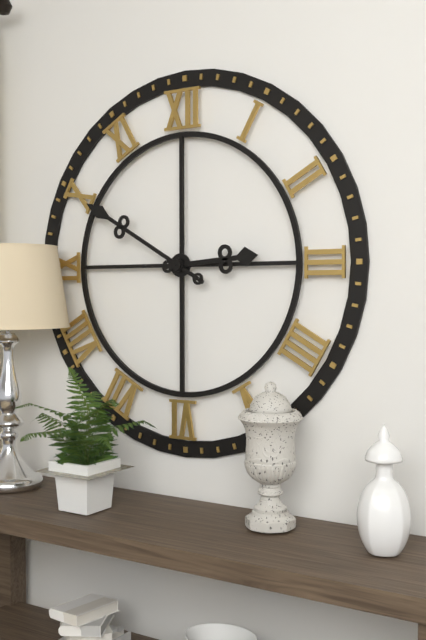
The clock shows 2.50
